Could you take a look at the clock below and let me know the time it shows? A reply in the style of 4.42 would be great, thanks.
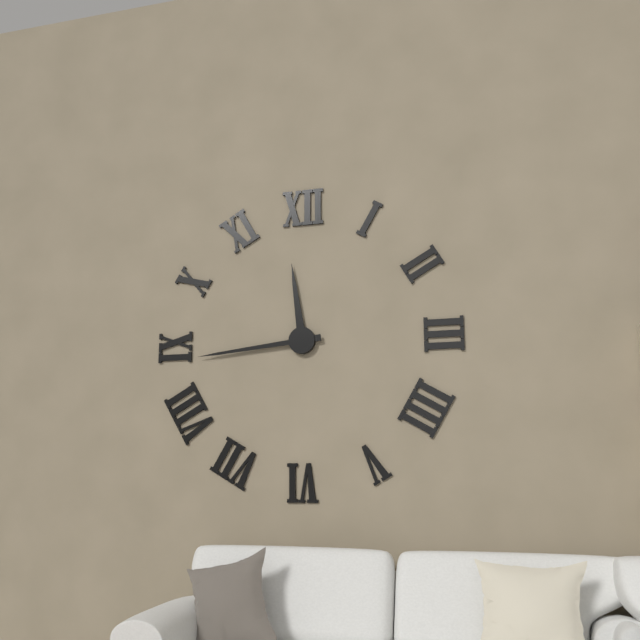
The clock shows 11.44
